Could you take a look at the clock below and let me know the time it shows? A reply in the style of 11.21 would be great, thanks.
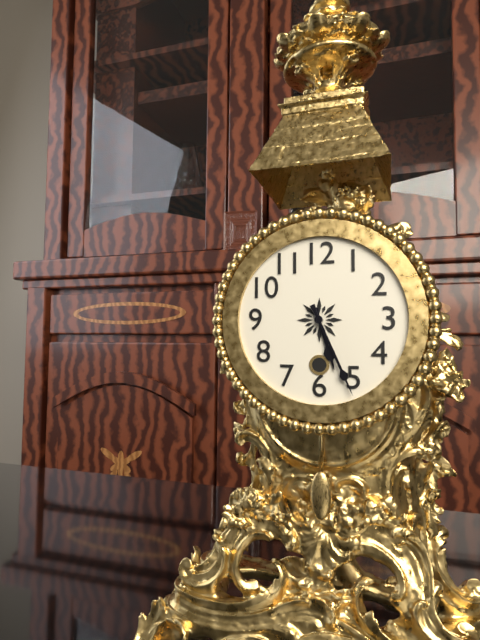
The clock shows 5.26
